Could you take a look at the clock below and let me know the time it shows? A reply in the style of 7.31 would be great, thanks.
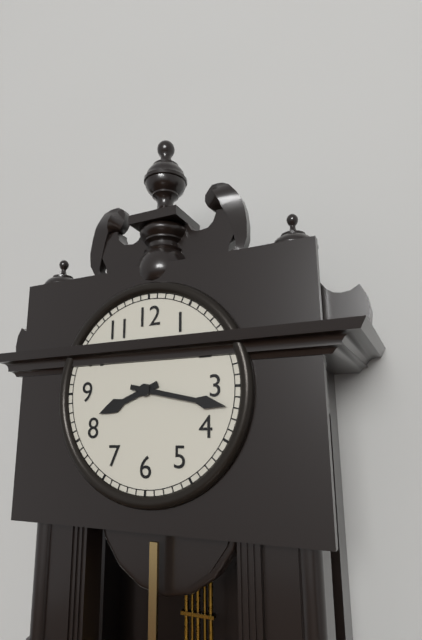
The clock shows 8.17
